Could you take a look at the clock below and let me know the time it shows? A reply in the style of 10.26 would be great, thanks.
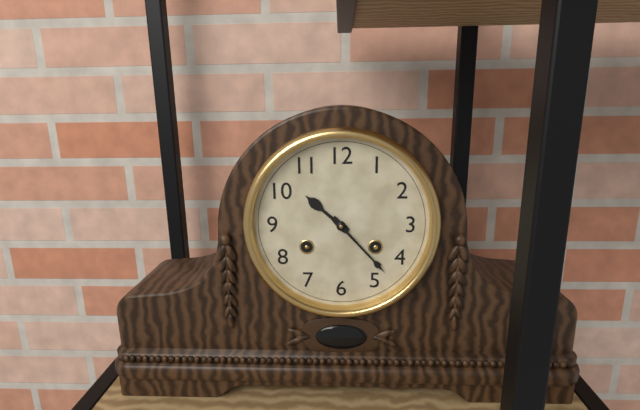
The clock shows 10.23
